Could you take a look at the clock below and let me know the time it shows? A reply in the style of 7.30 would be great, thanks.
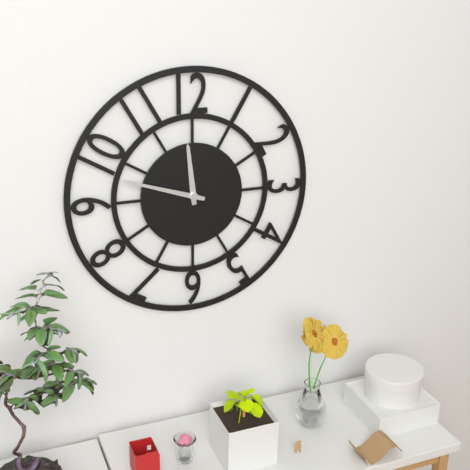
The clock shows 11.48
